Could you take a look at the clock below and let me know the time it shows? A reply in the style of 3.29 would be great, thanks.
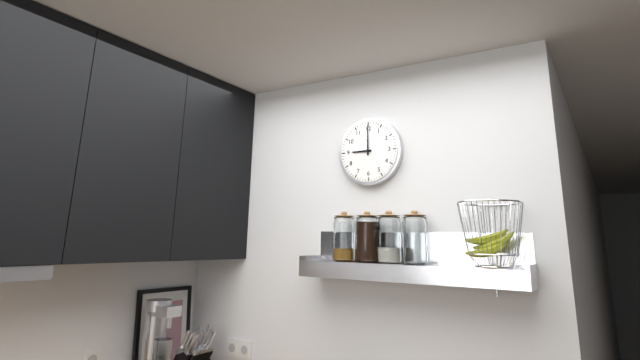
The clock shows 9.00
